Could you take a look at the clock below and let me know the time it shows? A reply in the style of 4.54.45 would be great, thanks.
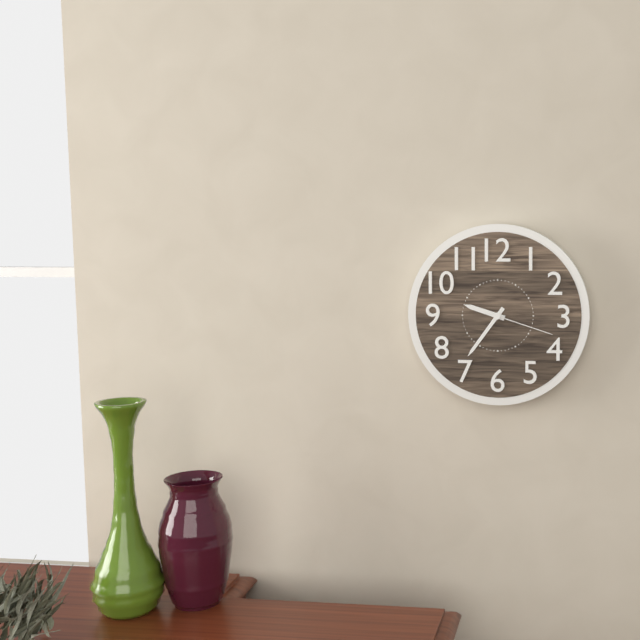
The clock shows 9.36.18
